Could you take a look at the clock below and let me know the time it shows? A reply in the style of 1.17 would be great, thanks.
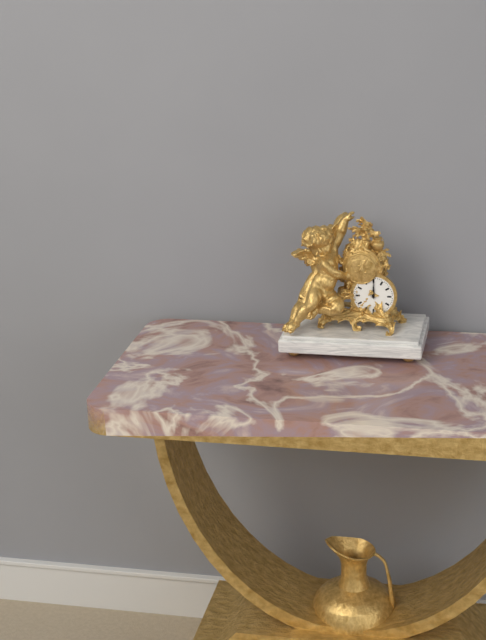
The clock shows 12.00
